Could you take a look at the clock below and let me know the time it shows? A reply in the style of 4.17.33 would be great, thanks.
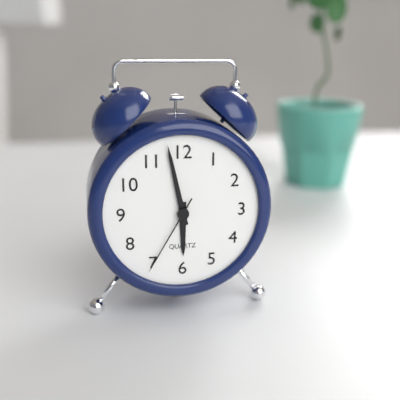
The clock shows 5.58.35
